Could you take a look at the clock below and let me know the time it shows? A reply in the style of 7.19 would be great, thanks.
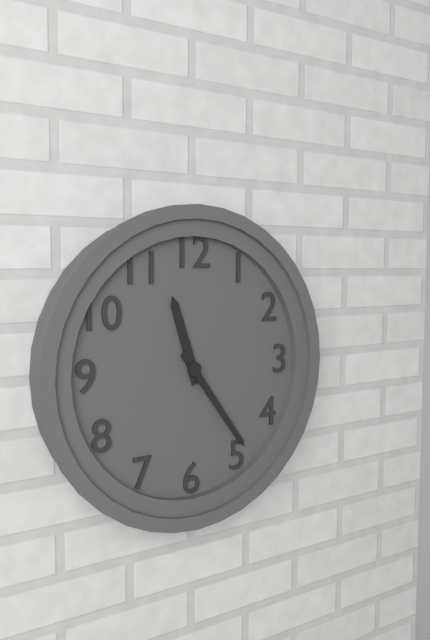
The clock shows 11.24
